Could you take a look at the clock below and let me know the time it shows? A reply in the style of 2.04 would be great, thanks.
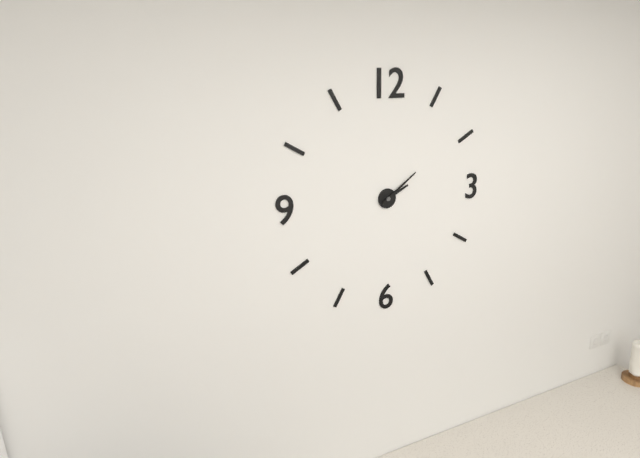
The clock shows 2.09
